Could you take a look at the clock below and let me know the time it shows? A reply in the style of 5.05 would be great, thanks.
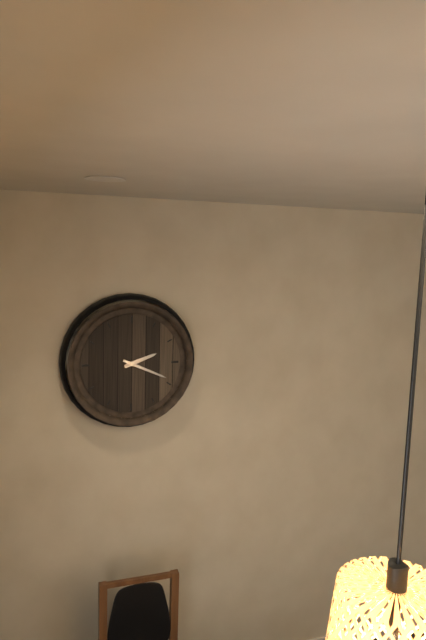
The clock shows 2.19
